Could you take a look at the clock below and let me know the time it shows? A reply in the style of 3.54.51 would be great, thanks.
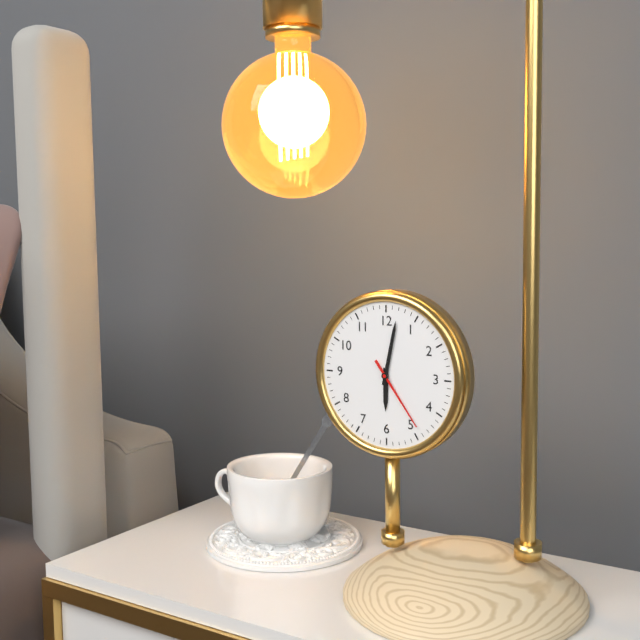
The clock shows 6.02.24
